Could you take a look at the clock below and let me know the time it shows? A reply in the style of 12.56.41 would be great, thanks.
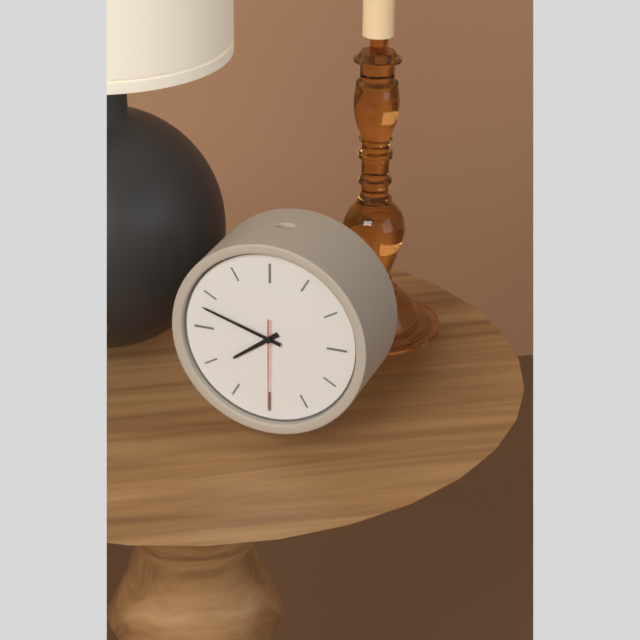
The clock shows 7.48.30
